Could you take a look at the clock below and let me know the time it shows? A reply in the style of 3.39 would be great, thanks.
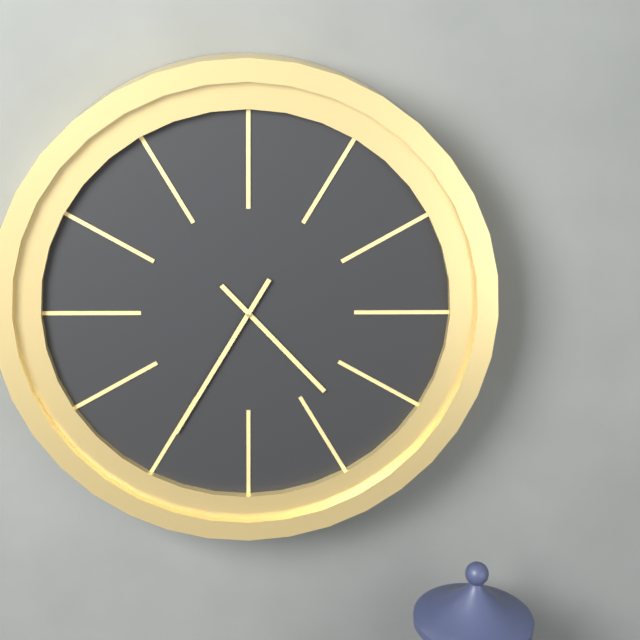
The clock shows 4.35
